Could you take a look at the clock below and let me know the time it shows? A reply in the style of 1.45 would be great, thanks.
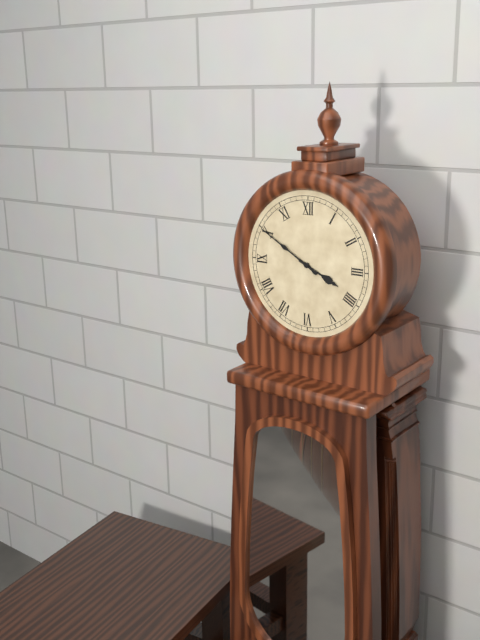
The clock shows 3.50
